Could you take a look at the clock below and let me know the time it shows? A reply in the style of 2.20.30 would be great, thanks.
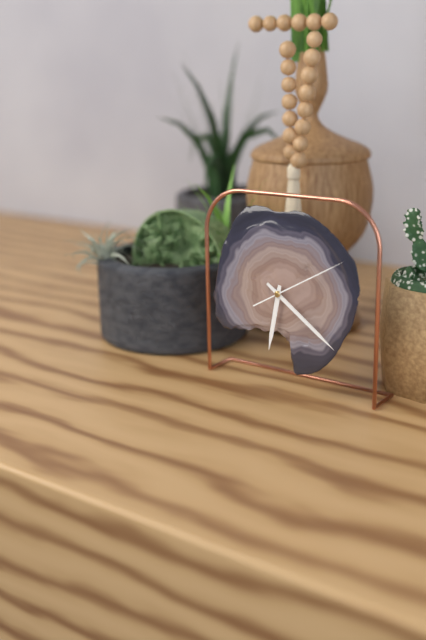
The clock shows 6.21.10
